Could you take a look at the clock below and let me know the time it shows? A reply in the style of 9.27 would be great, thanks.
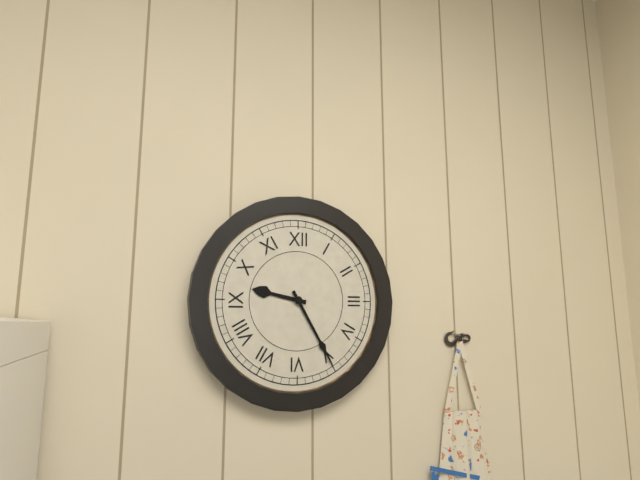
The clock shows 9.25
